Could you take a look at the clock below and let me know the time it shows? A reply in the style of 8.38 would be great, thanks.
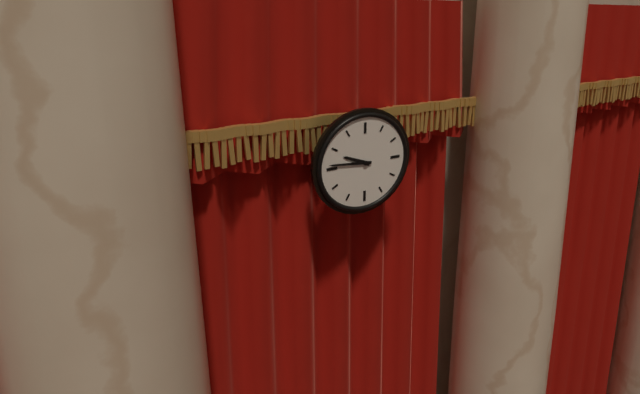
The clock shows 9.46
